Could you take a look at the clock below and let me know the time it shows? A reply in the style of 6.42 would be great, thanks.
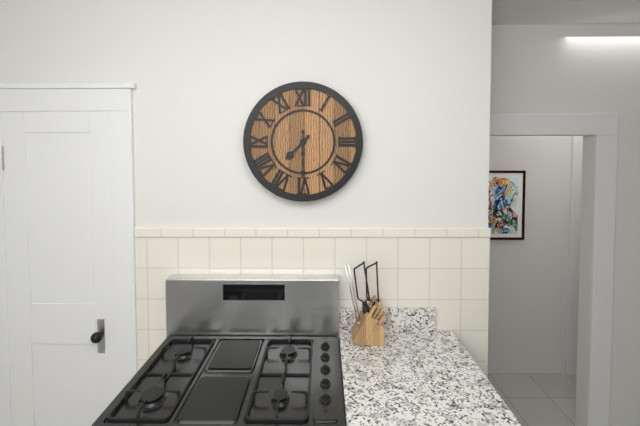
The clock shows 7.30
